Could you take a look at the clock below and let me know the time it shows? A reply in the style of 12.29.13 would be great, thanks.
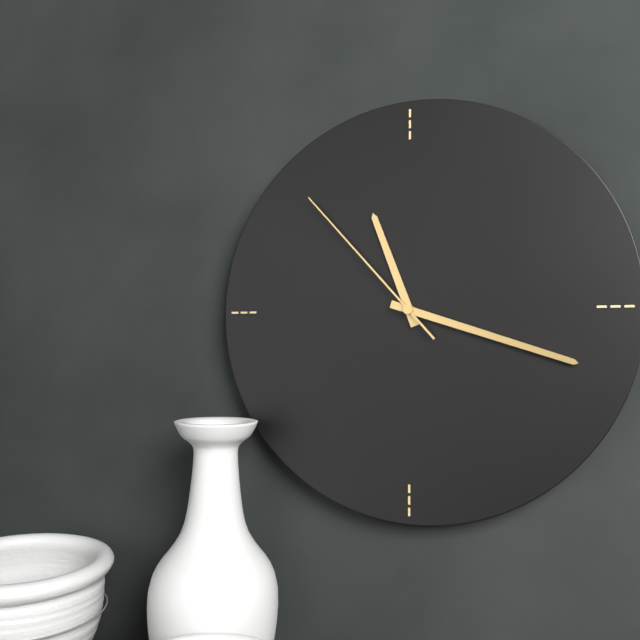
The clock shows 11.18.53
